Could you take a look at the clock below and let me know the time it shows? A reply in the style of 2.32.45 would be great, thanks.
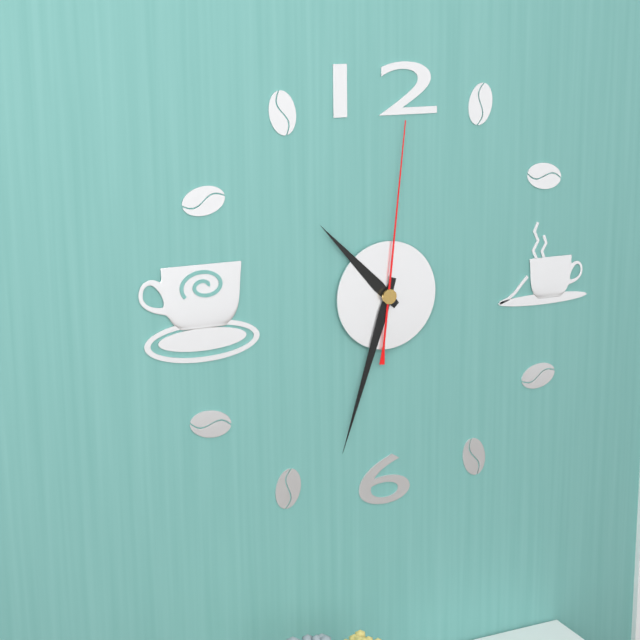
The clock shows 10.33.01
